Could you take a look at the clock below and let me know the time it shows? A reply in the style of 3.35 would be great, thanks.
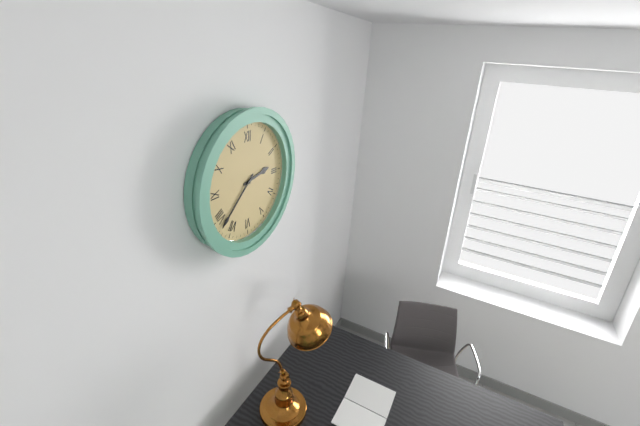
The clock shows 2.38
